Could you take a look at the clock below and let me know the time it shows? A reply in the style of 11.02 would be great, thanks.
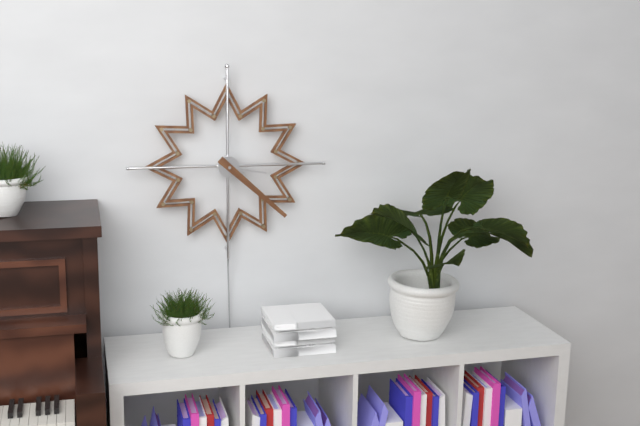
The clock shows 3.22
